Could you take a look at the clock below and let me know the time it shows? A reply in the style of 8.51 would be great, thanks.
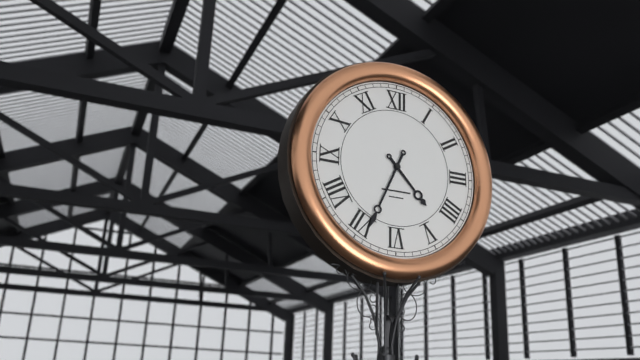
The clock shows 4.34
